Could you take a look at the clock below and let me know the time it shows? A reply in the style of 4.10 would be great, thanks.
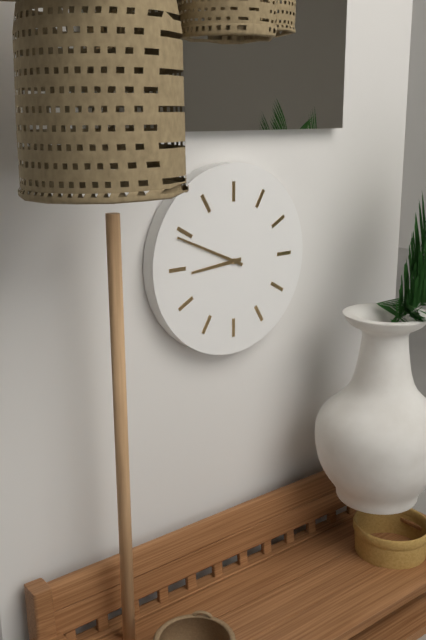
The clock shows 8.49
